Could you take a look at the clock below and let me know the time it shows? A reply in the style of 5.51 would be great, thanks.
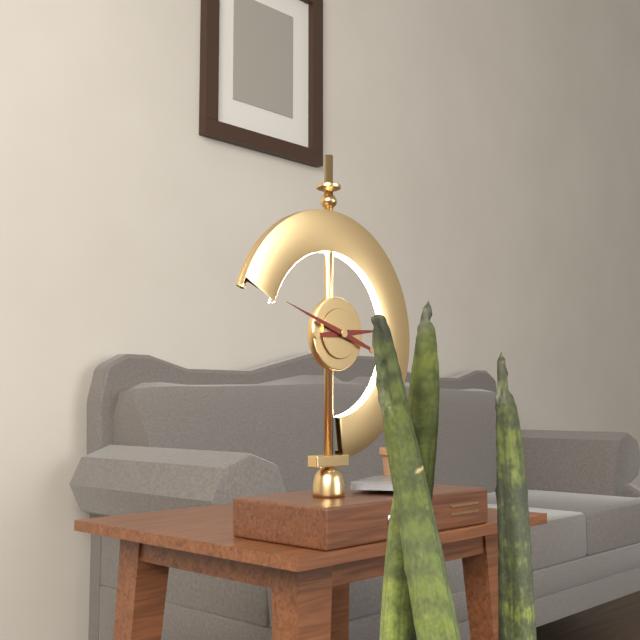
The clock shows 2.48
